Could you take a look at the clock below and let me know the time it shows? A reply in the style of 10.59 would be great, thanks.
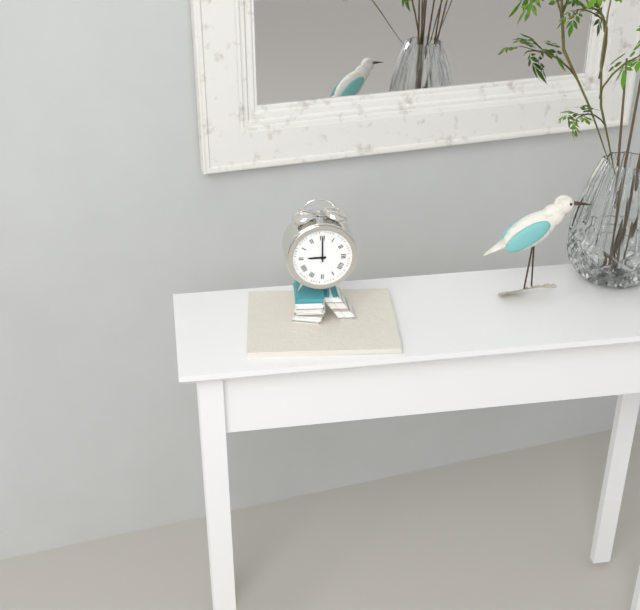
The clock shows 9.00
